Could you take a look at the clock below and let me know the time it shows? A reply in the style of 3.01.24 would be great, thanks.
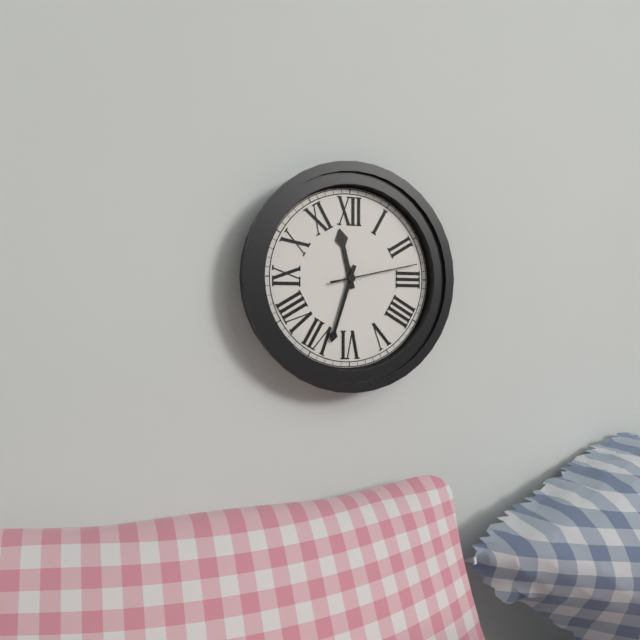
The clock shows 11.33.13
